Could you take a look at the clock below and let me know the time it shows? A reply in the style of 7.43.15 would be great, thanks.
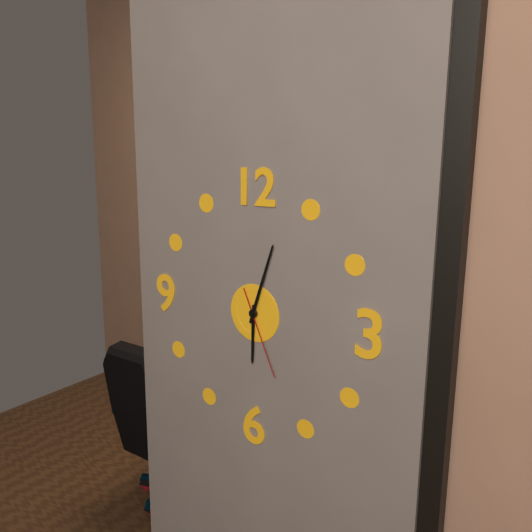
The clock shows 6.03.26
